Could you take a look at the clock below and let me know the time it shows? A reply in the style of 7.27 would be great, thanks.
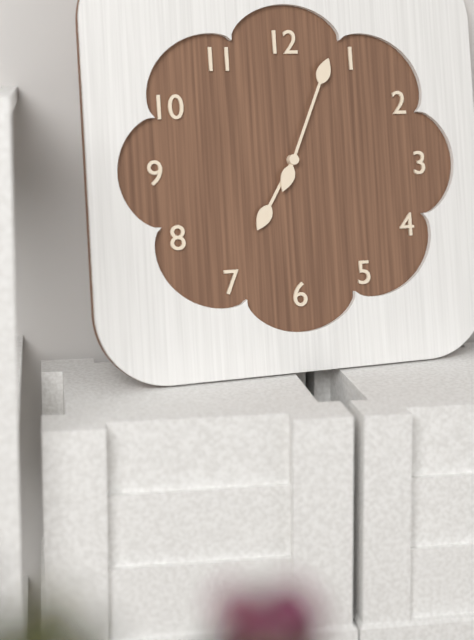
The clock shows 7.04
